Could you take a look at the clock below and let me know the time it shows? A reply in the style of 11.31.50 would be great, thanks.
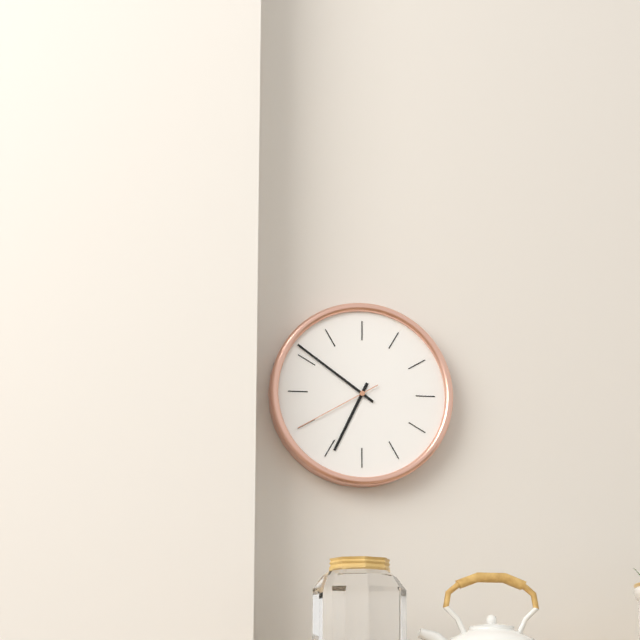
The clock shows 6.51.40
